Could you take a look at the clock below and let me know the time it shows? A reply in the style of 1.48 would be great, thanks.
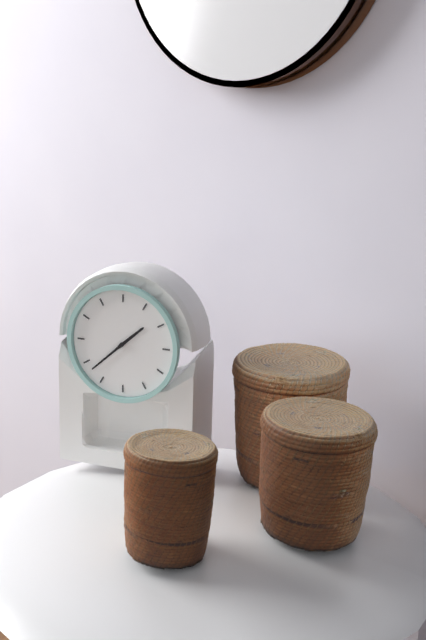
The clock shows 1.38
